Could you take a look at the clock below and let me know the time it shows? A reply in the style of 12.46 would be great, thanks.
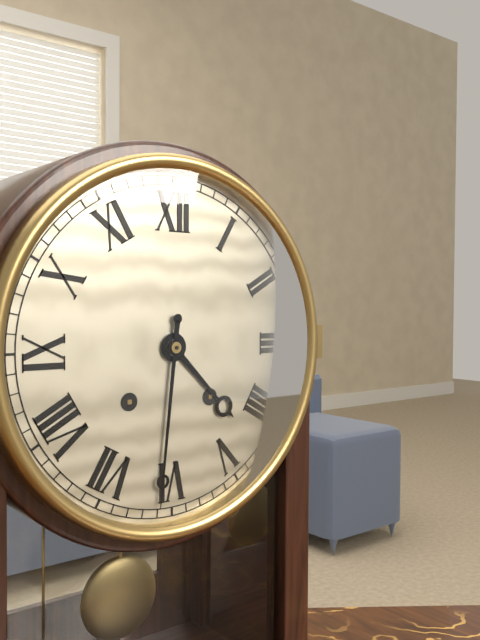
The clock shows 4.31
